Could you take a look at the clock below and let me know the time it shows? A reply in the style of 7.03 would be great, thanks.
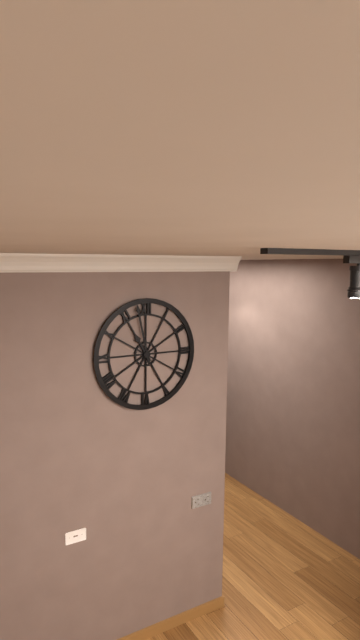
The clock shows 10.58
